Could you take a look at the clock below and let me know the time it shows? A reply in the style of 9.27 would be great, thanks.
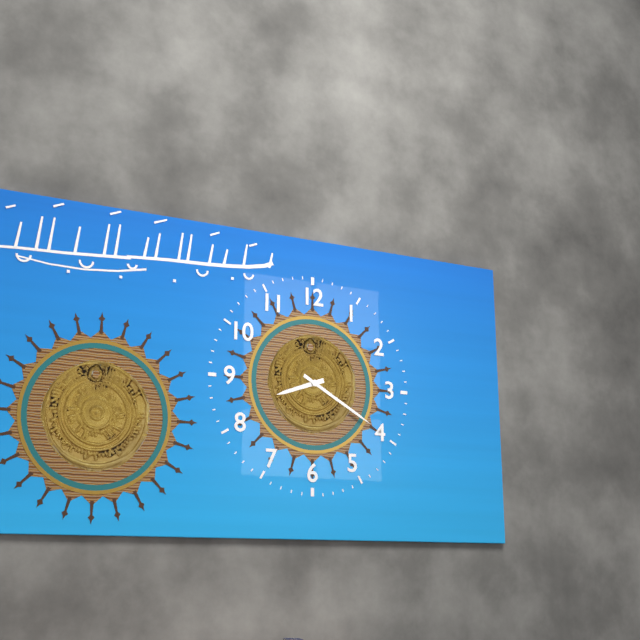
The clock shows 8.20
